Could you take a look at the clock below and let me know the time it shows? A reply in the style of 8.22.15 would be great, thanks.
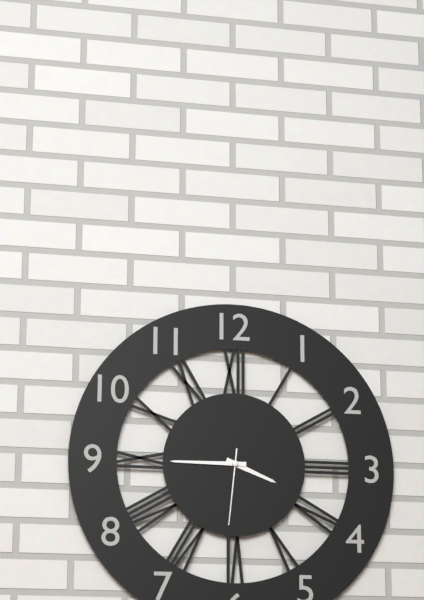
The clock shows 3.45.31
